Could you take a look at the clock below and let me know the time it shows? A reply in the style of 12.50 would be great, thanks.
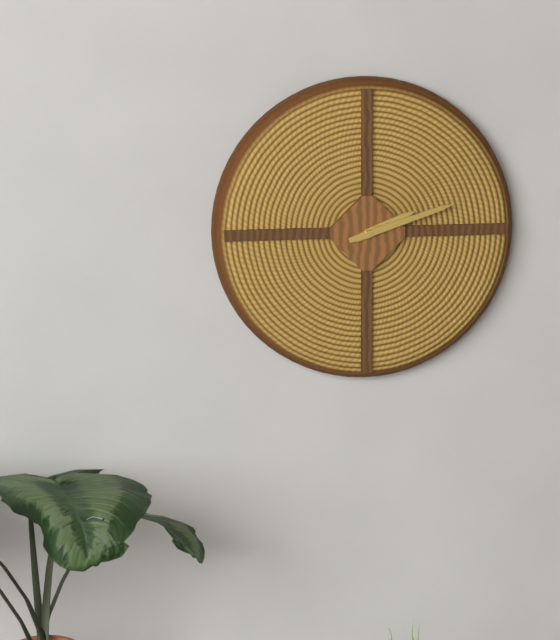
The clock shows 2.12
